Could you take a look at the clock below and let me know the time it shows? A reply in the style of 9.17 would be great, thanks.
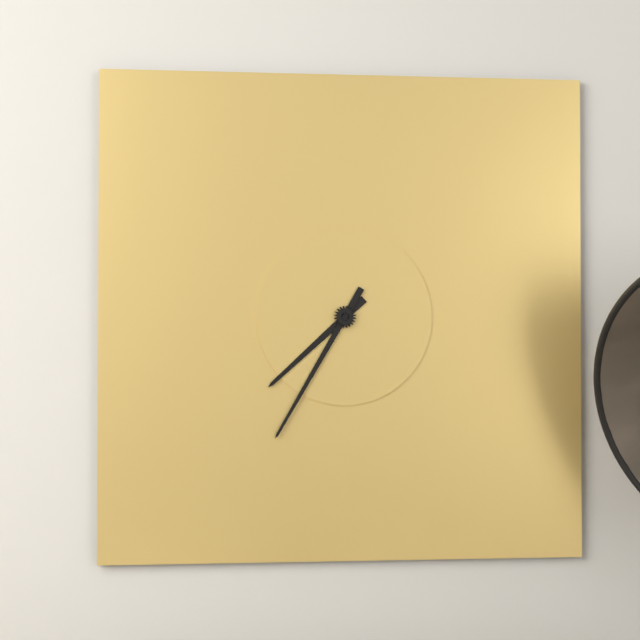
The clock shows 7.35
